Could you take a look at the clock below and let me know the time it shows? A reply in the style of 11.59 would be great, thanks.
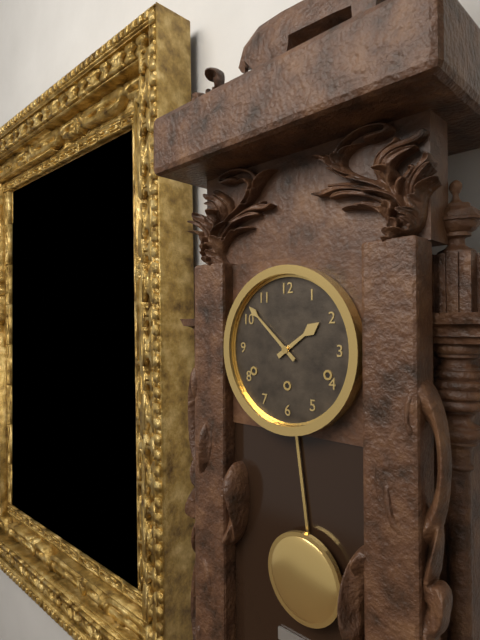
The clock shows 1.52
